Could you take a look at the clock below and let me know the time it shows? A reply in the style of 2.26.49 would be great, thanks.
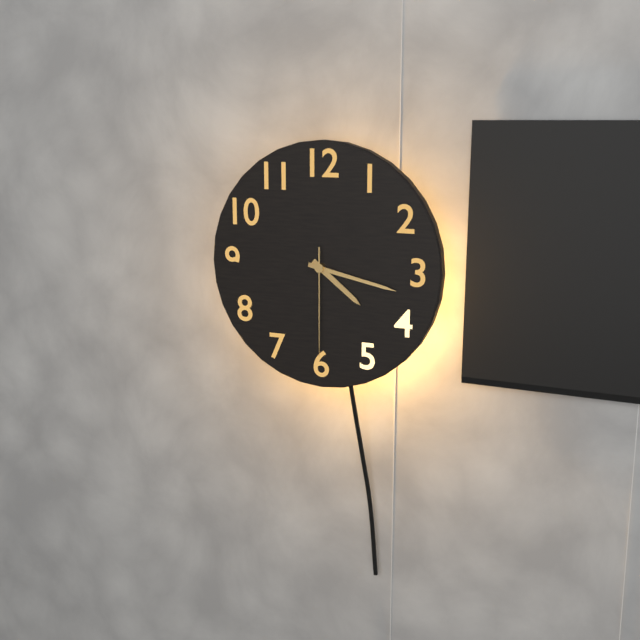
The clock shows 4.17.30
